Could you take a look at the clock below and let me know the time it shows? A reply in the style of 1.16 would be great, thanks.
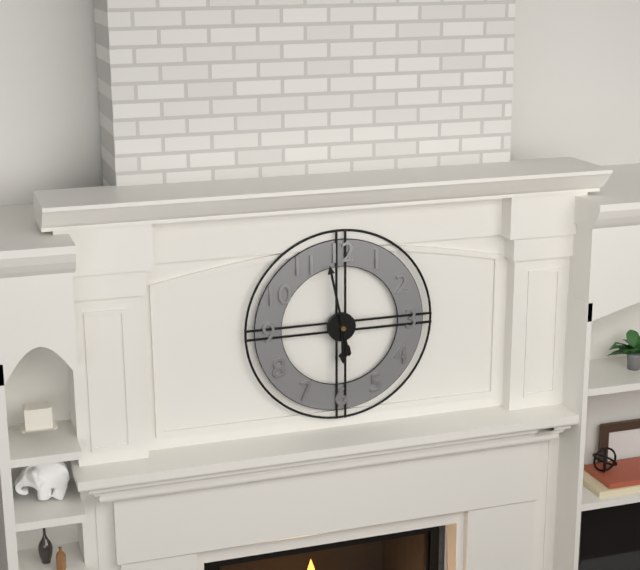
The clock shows 5.58
